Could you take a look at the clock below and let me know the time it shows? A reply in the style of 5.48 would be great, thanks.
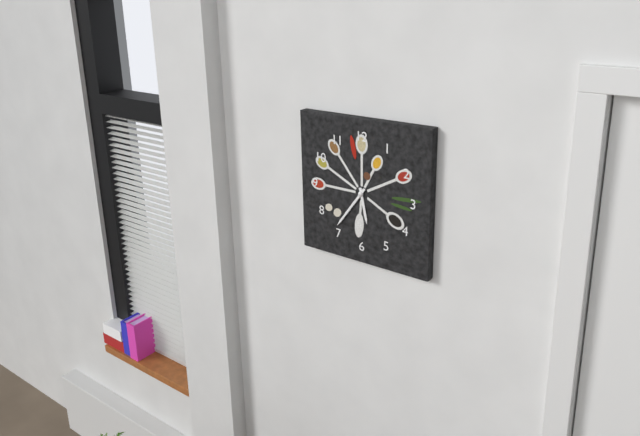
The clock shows 5.36
